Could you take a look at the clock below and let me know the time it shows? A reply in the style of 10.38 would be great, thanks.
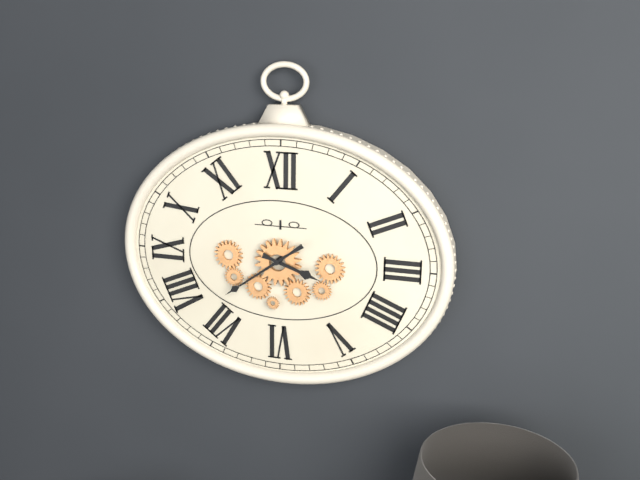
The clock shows 3.39
